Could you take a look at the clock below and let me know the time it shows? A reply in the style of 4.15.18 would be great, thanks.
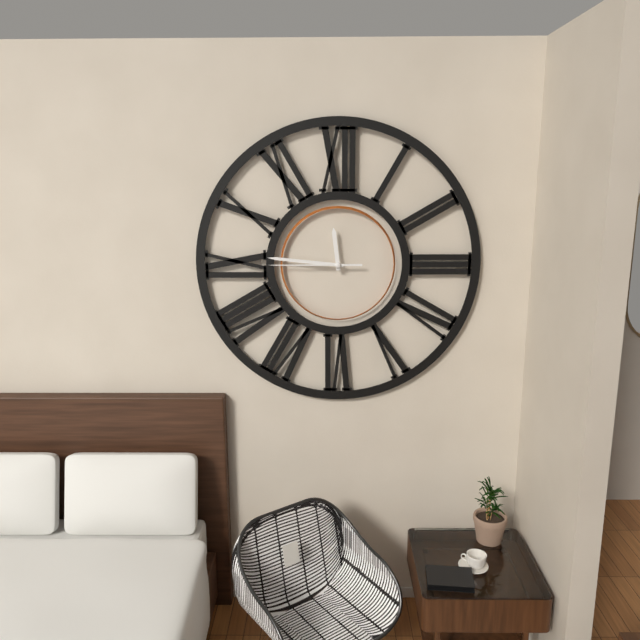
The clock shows 11.46.45
